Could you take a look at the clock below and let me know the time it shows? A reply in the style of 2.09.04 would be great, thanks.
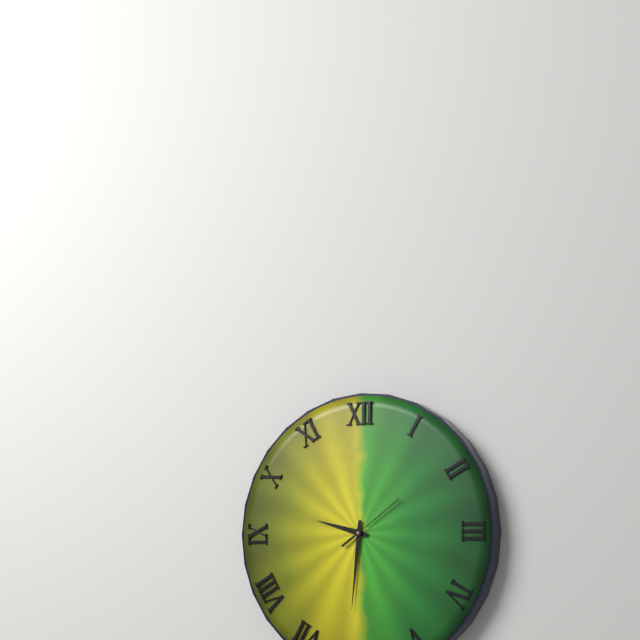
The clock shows 9.31.09
